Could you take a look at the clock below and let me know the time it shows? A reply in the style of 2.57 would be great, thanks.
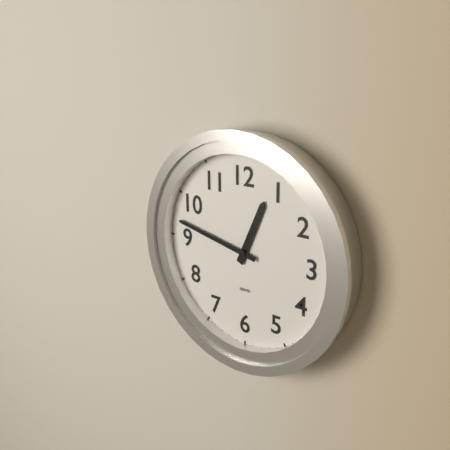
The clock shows 12.47
